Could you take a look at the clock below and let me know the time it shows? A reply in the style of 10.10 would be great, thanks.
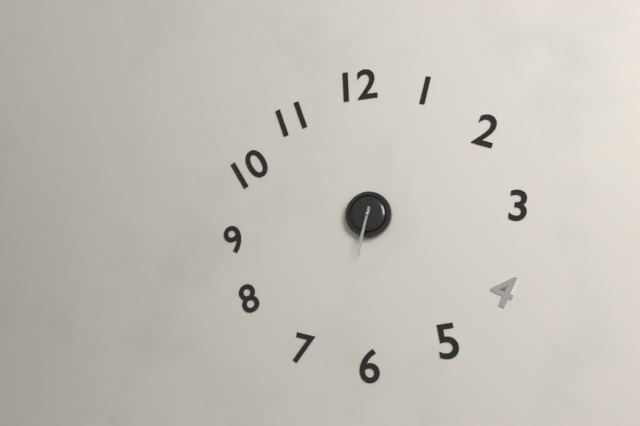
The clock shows 6.32
